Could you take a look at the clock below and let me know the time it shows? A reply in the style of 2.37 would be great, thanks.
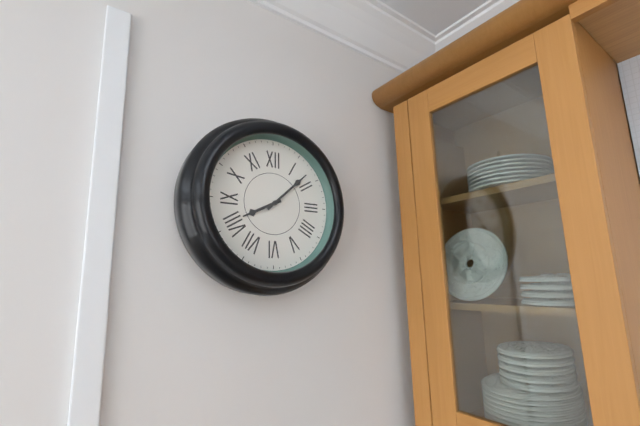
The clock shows 8.08
